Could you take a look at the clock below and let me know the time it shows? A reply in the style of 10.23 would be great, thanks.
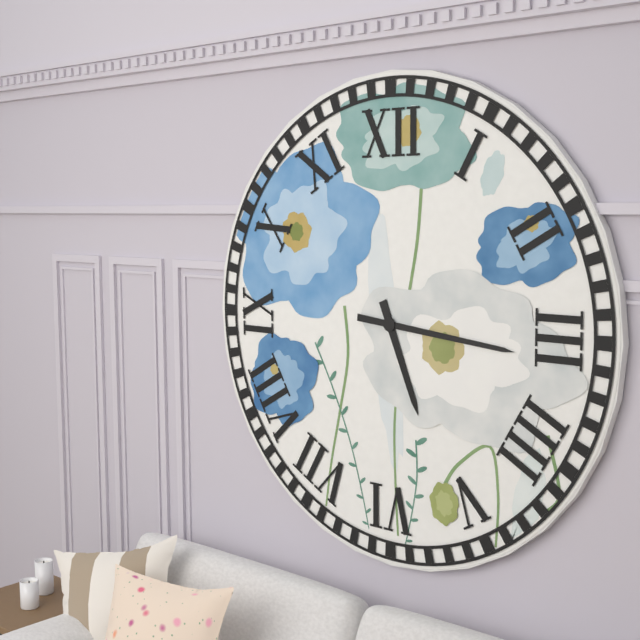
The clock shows 5.16
